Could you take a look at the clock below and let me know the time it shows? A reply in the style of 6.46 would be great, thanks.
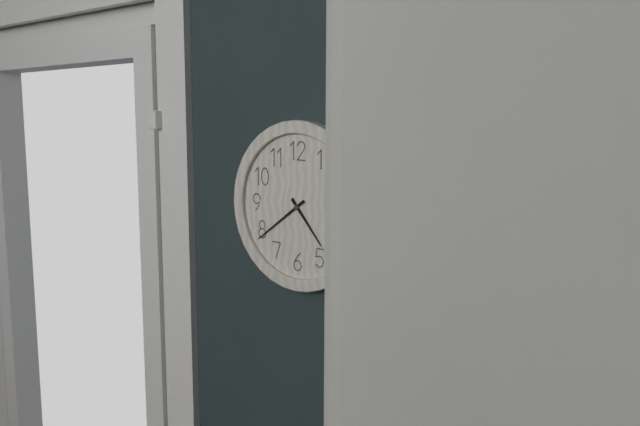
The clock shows 4.39
